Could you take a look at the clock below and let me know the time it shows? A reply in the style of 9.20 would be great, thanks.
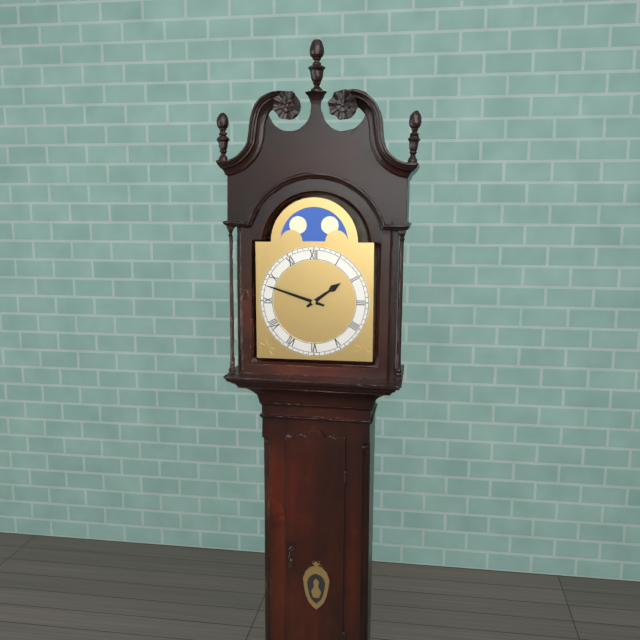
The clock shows 1.48
